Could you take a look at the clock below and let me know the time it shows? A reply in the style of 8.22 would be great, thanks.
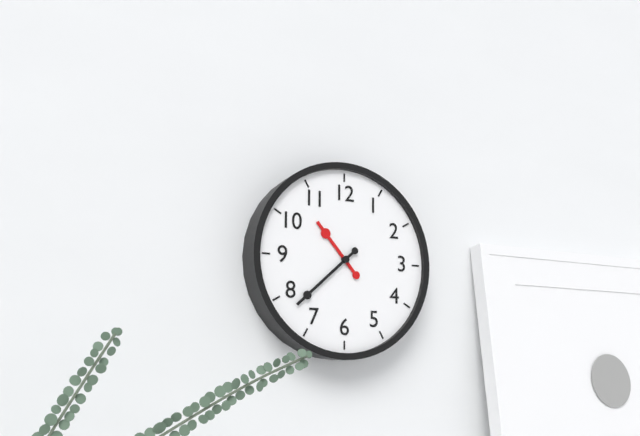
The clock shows 10.38
